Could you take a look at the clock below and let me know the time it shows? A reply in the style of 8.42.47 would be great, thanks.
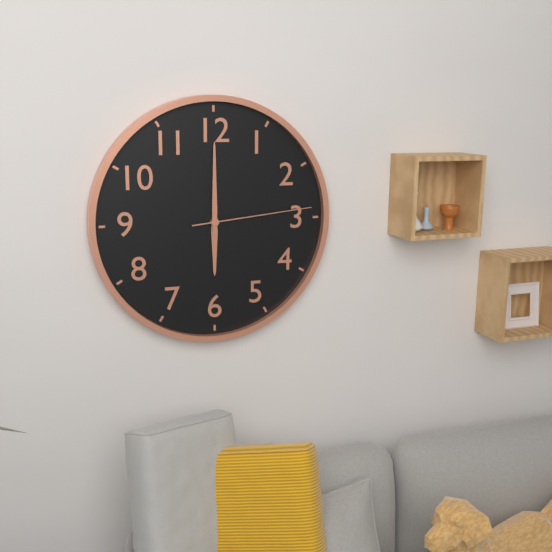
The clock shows 6.00.14
